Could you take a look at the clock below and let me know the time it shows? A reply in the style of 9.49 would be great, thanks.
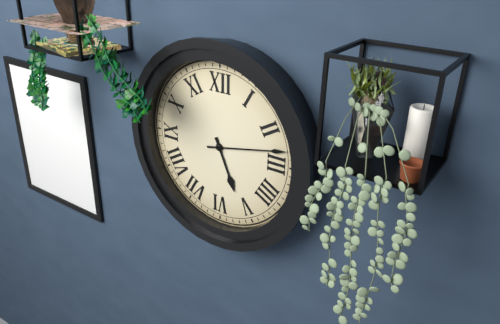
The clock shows 5.13
